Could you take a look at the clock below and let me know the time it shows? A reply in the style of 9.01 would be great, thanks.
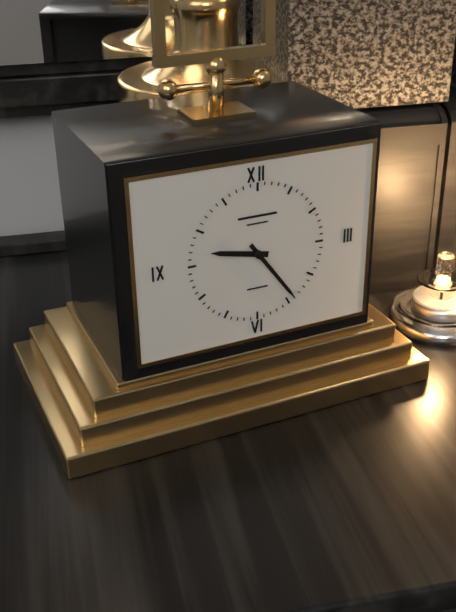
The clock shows 9.24
